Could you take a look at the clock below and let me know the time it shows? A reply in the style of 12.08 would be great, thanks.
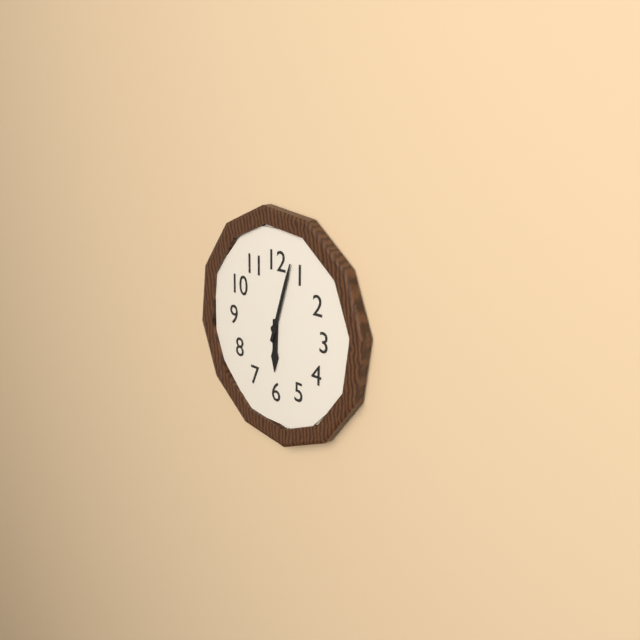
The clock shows 6.03
